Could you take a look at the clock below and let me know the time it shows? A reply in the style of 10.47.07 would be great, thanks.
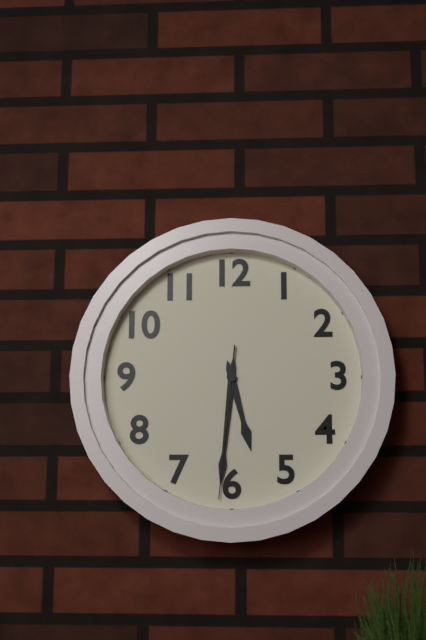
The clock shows 5.31.31
